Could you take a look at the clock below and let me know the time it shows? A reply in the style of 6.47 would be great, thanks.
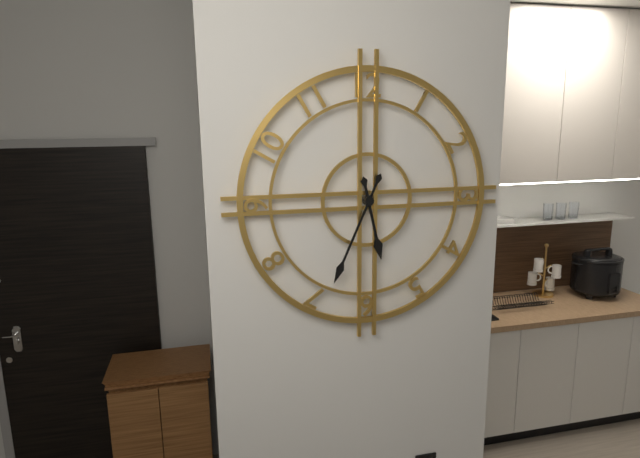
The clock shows 5.34
